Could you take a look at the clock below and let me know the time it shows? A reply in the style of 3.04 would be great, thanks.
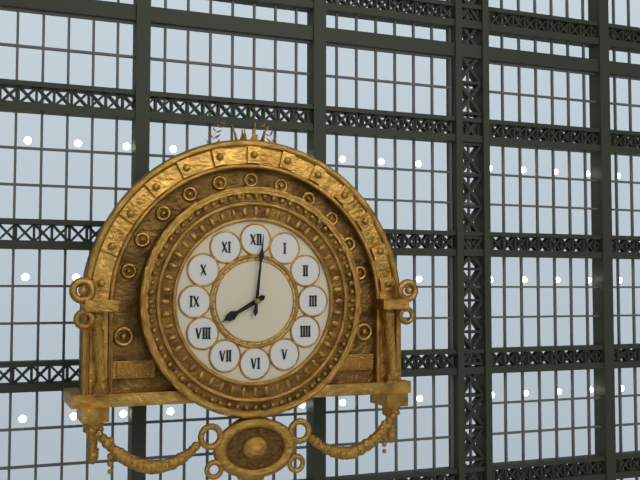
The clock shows 8.01
